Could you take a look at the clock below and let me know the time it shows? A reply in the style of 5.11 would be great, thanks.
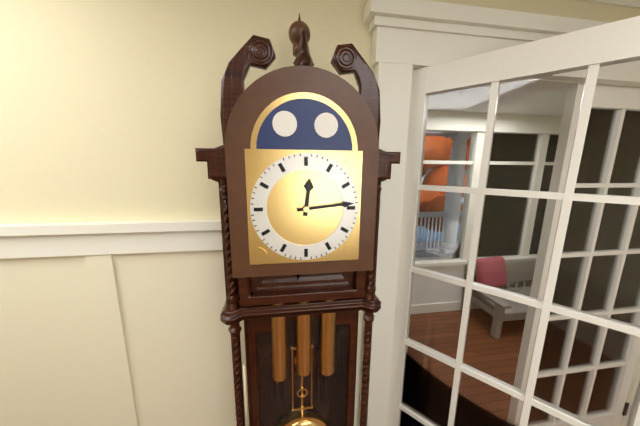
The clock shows 12.14
